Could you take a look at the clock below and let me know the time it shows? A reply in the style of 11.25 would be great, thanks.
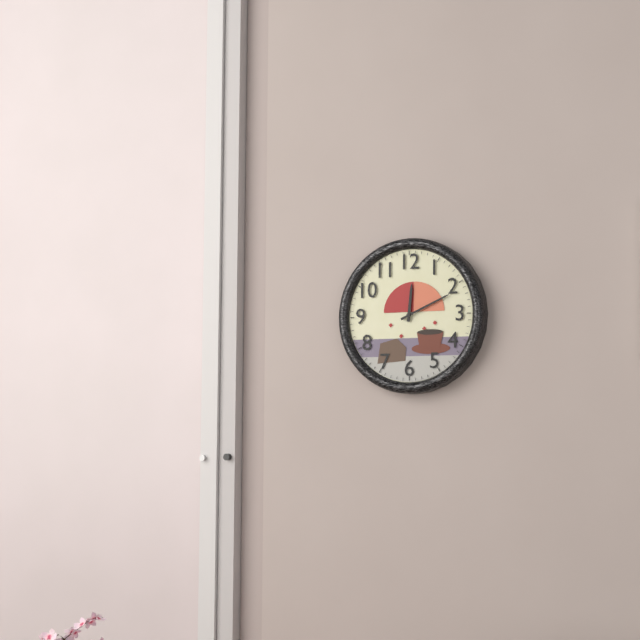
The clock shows 12.11
